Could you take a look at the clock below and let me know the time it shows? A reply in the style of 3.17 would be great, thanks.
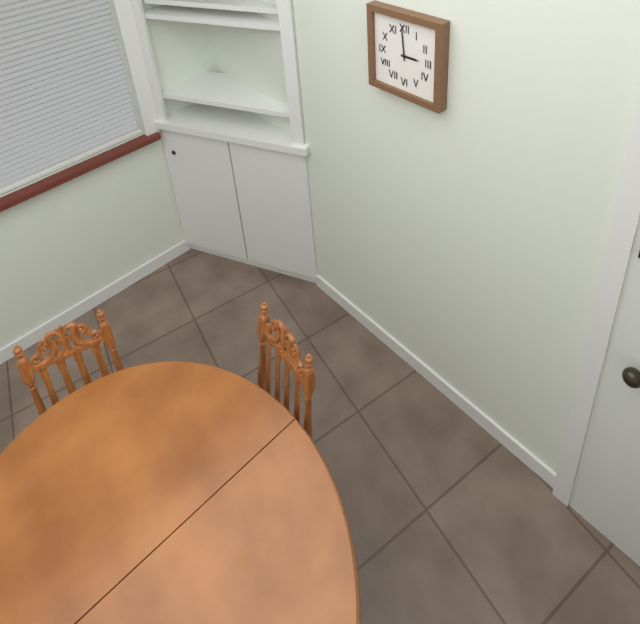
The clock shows 2.59
